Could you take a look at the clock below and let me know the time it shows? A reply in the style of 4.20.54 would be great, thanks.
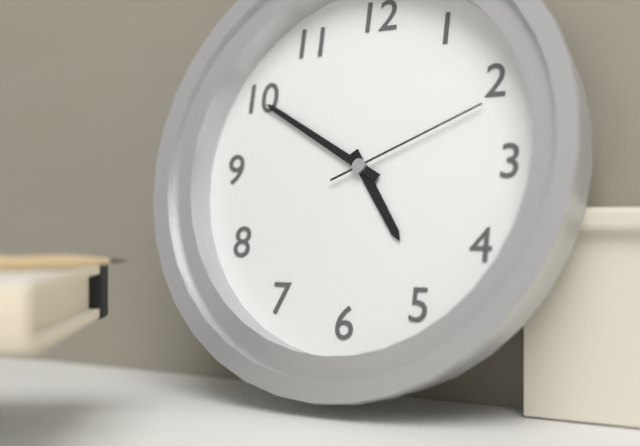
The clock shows 4.50.11
